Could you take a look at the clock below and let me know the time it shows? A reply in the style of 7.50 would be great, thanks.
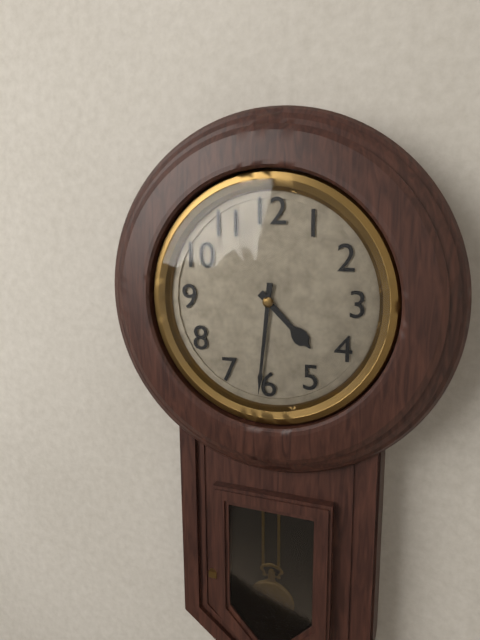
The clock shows 4.31
